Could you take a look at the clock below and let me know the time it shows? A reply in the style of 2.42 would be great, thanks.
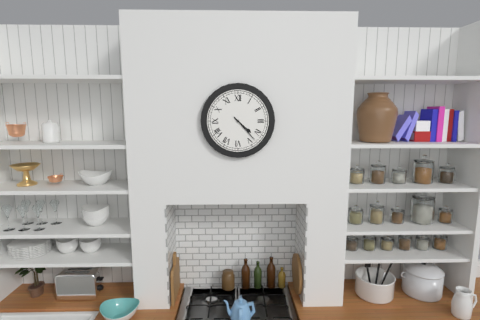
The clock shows 4.23
